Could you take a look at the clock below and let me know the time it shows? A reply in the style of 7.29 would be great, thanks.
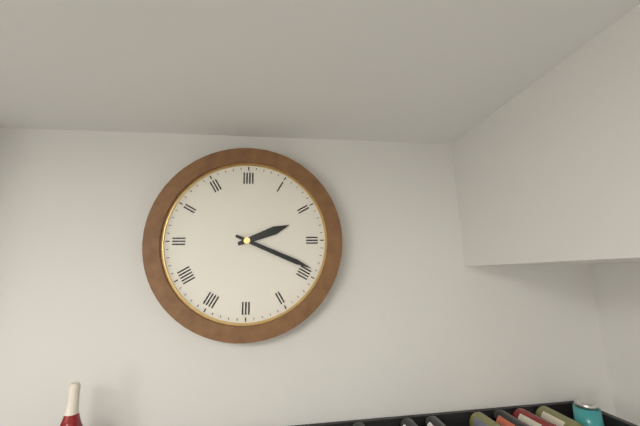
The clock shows 2.19
